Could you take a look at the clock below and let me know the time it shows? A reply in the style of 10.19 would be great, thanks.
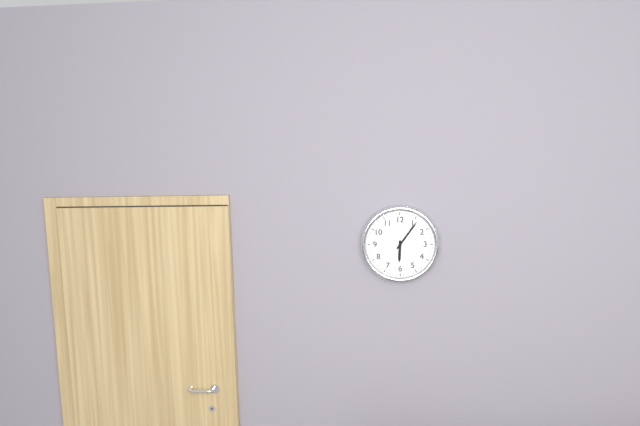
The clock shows 6.06
